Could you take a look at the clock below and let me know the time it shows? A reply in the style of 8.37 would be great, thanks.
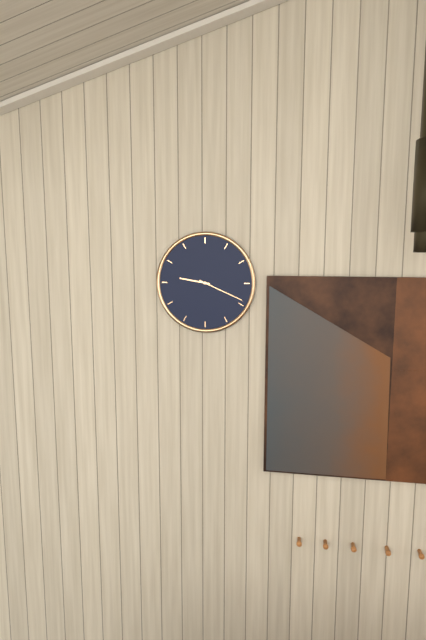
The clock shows 9.19
